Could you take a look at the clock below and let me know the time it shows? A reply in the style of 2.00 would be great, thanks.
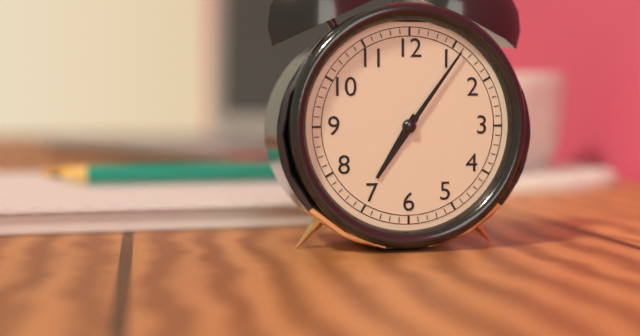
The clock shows 7.06
